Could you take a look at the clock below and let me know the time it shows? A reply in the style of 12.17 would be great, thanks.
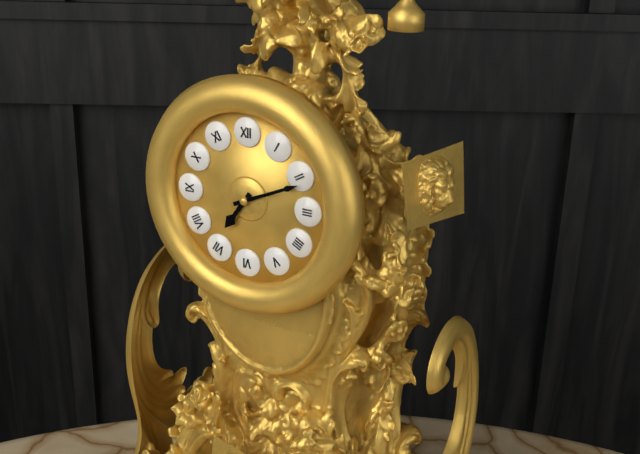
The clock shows 7.11
